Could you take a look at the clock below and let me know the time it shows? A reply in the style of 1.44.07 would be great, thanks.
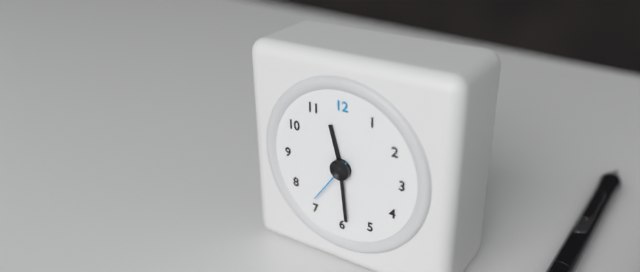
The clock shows 11.29.36
